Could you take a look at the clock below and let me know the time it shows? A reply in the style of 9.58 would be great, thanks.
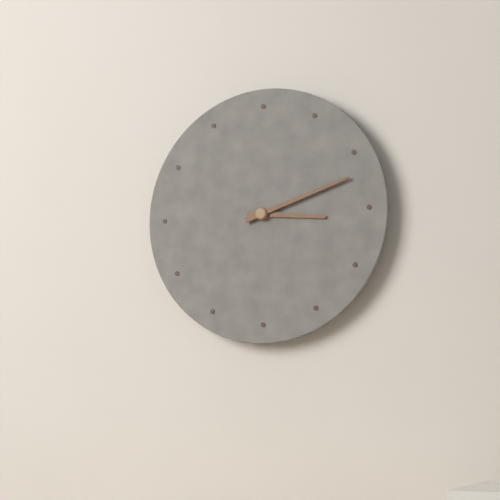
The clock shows 3.12
